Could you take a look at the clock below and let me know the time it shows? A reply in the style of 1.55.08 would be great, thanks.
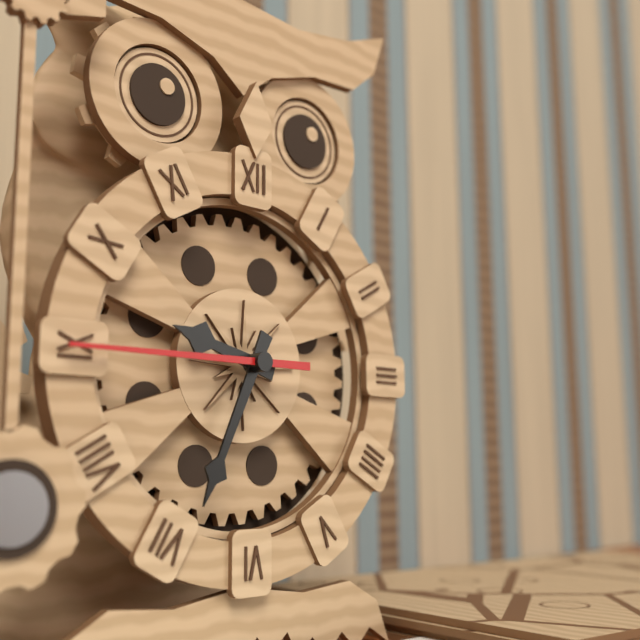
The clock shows 9.34.45
